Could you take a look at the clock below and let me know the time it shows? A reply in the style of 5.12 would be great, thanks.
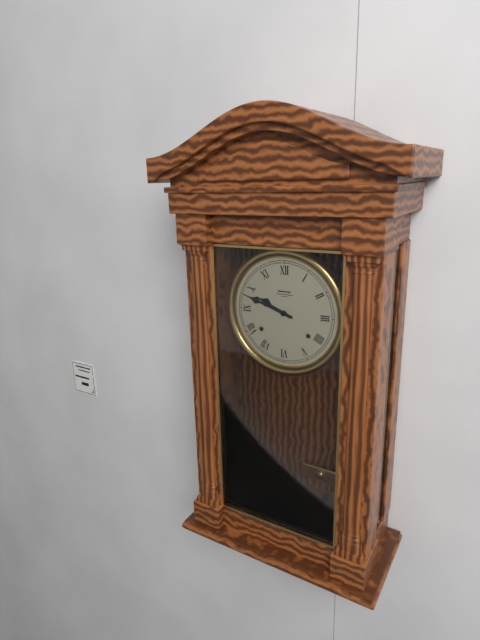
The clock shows 9.48
